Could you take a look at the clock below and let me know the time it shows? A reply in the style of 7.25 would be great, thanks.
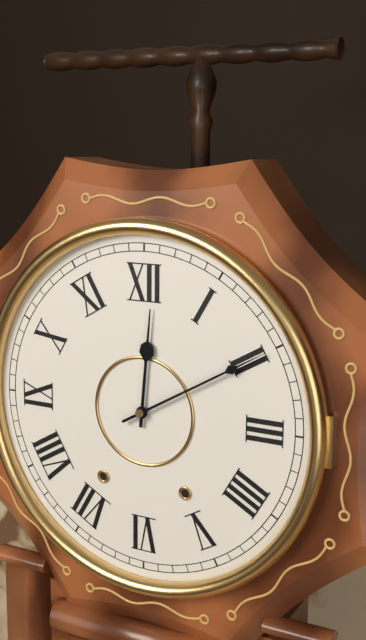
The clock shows 12.10
